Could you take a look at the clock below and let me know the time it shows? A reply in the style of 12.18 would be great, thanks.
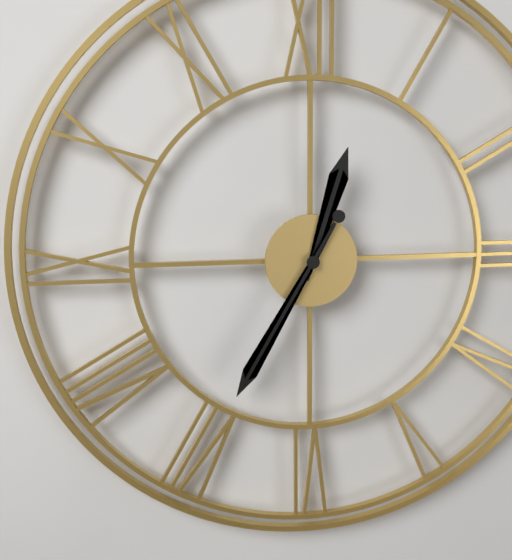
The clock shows 12.35
